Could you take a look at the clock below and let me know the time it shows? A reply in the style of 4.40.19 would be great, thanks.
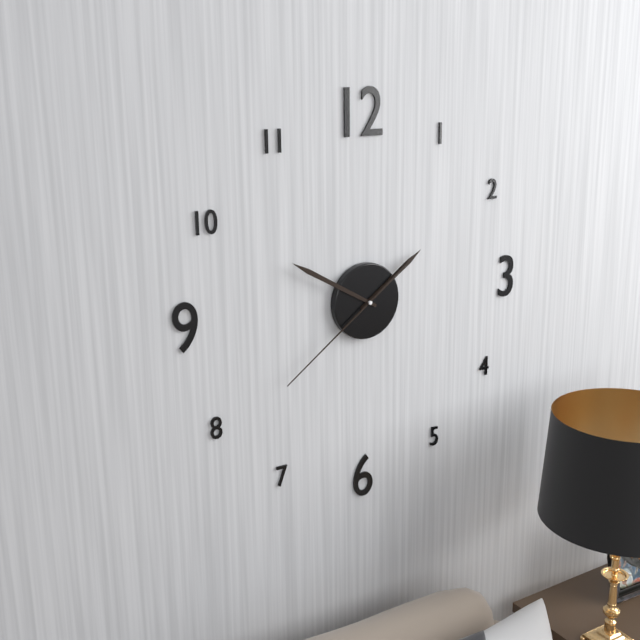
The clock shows 1.50.39
